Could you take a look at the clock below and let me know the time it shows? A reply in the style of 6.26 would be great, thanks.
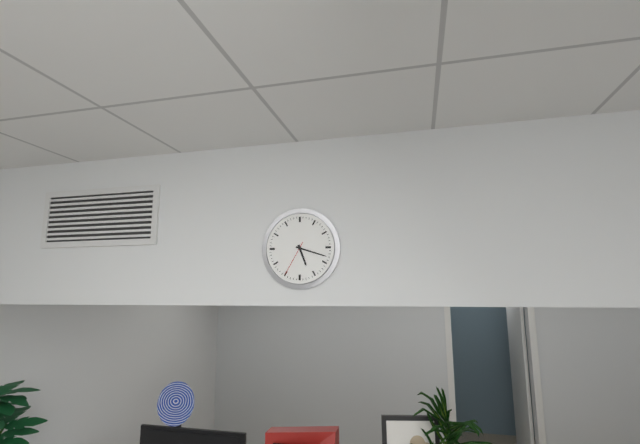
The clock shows 5.18
